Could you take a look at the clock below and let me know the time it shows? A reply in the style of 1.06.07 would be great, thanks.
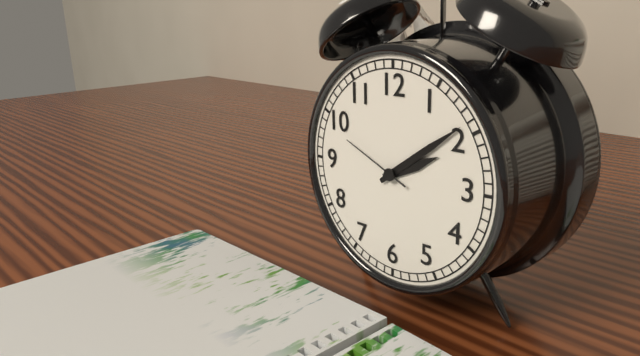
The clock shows 2.09.49
